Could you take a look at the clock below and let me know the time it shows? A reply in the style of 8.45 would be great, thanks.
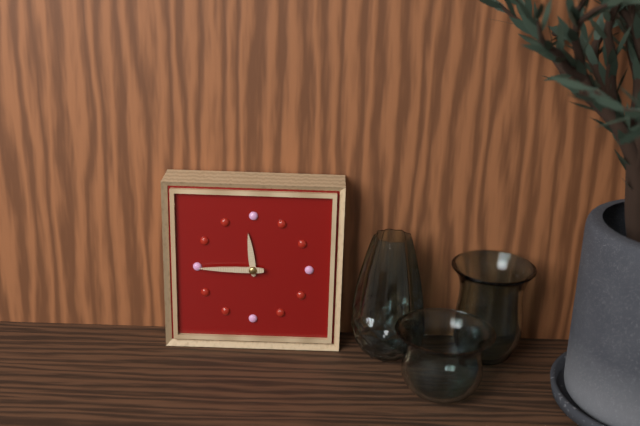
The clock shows 11.45
